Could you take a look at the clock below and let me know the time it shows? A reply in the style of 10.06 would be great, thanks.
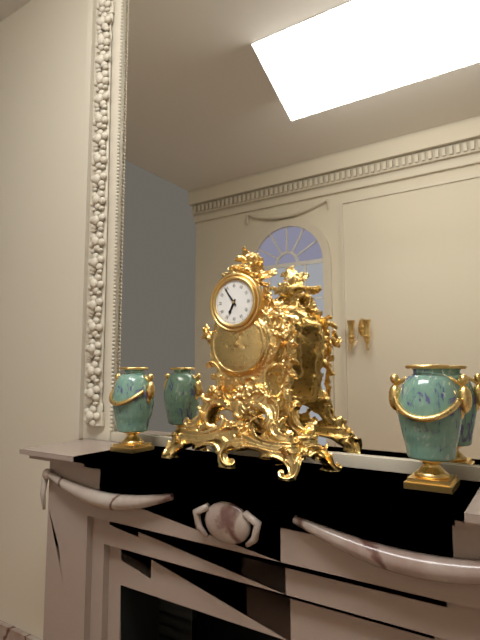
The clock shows 6.54
